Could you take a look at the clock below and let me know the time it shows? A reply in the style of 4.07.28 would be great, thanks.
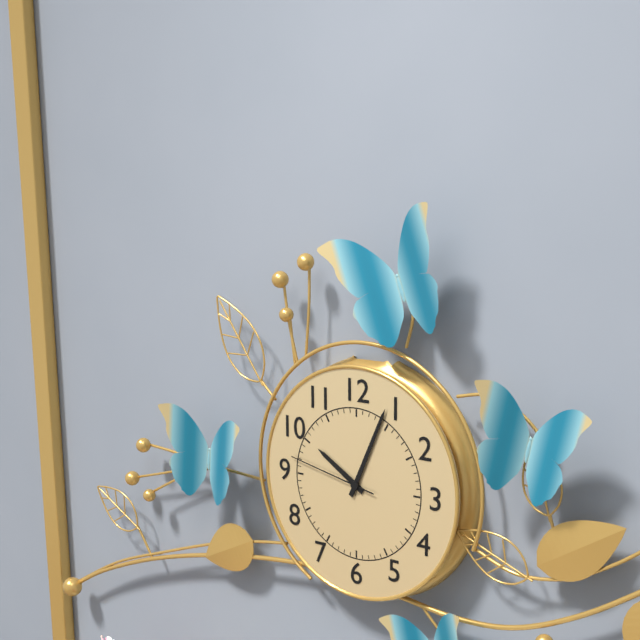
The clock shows 10.04.47
